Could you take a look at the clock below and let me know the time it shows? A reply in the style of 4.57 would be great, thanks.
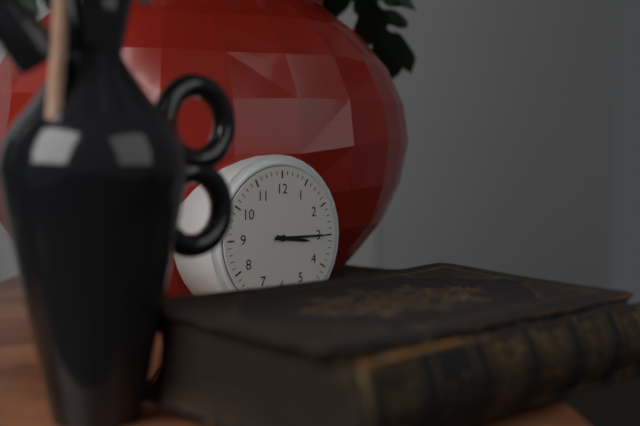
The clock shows 3.15
